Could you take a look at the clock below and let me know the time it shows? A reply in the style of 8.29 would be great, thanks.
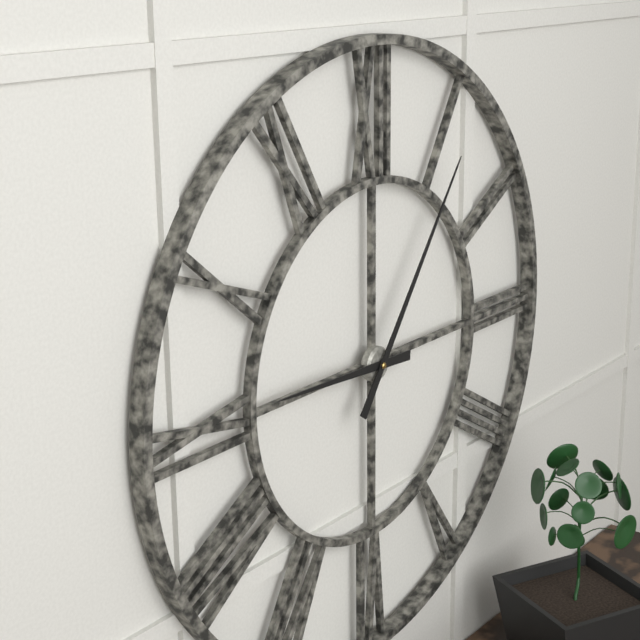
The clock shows 9.06
